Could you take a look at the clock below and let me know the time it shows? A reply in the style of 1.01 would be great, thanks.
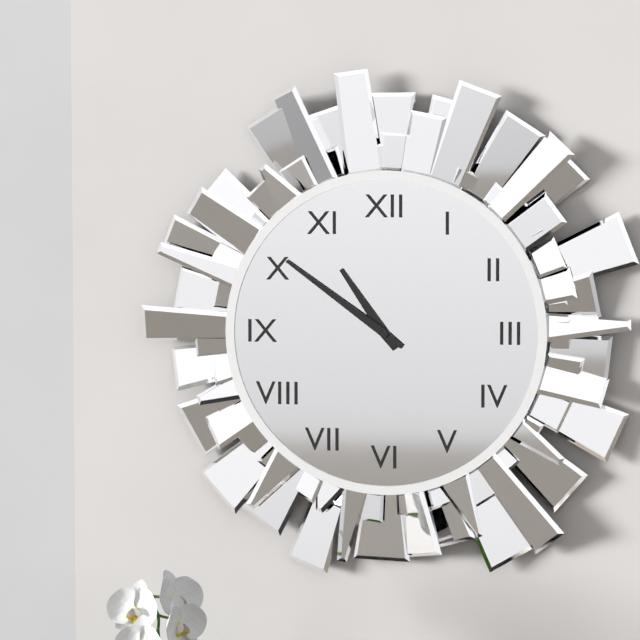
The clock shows 10.51
